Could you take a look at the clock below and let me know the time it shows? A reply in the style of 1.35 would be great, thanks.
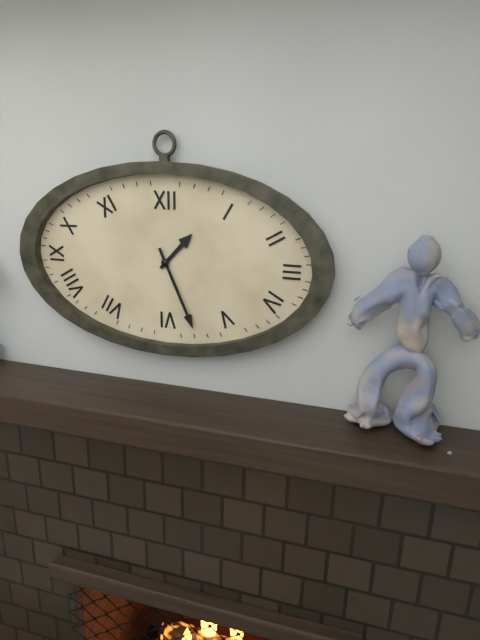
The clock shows 1.26
